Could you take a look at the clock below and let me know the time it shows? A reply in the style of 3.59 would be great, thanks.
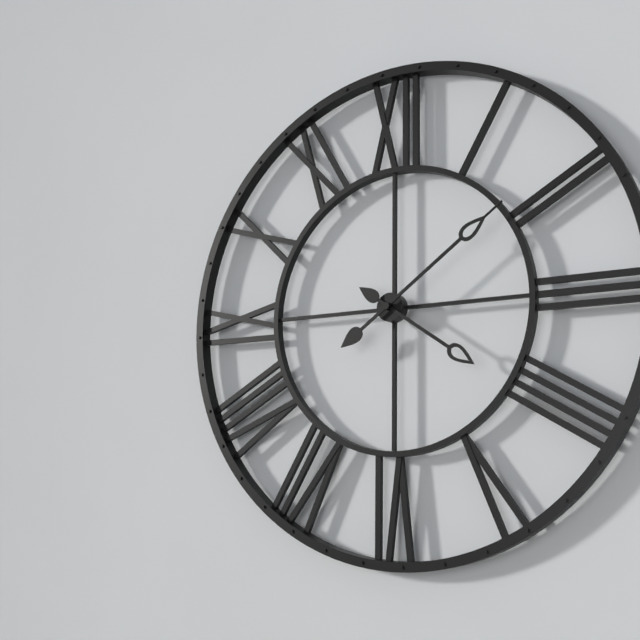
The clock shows 4.09
